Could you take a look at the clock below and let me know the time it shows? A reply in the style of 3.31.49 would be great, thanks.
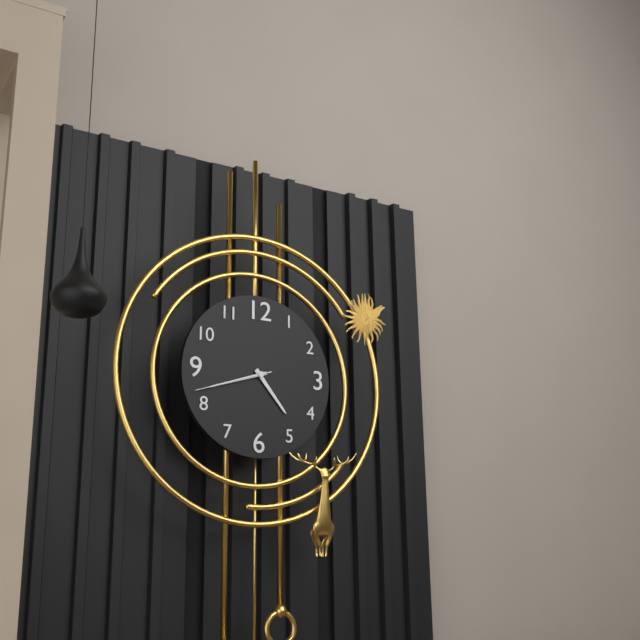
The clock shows 4.42.42
